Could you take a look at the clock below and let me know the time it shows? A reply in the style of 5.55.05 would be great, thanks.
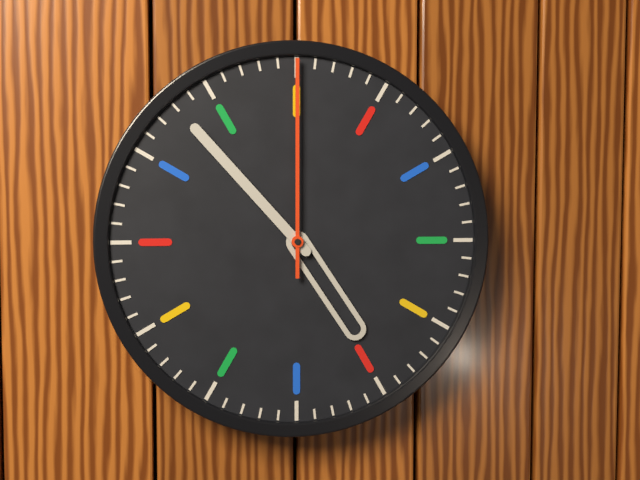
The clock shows 4.53.00
